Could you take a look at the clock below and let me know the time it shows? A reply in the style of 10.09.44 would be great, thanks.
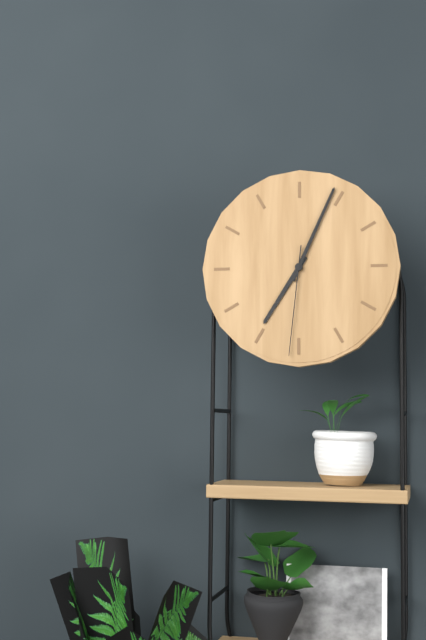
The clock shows 7.04.31
